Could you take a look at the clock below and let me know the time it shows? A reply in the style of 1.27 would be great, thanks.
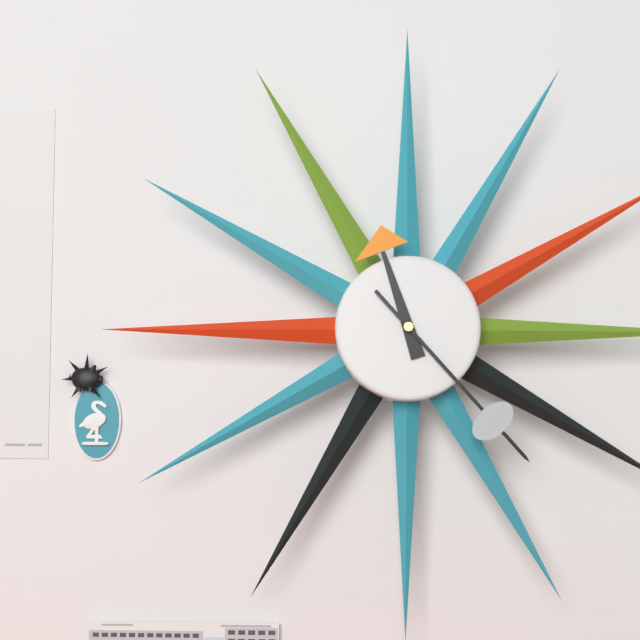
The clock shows 11.23
